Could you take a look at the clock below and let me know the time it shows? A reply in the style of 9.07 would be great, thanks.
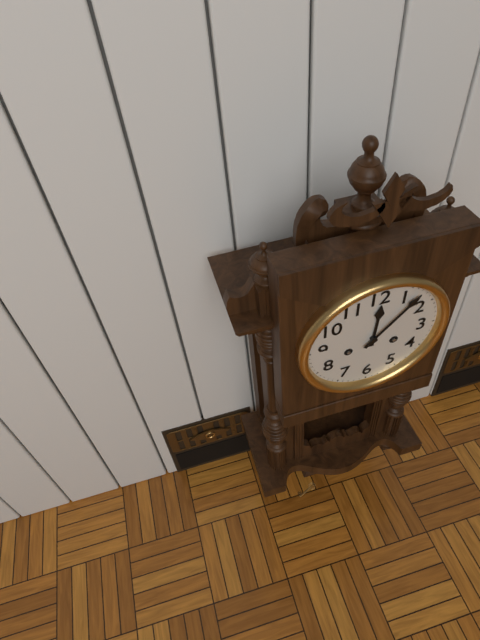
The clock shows 12.07
